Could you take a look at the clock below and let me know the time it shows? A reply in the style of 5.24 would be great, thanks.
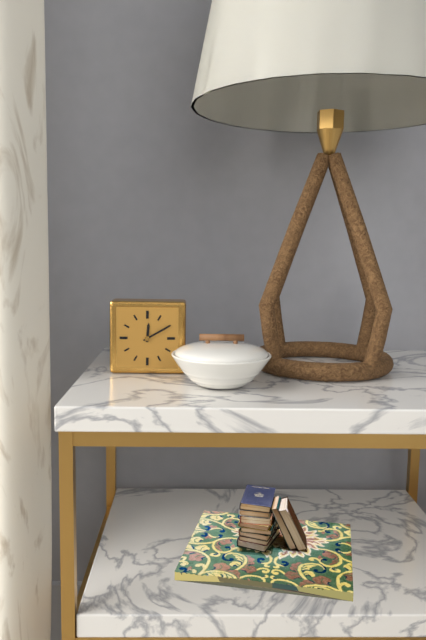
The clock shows 12.10
